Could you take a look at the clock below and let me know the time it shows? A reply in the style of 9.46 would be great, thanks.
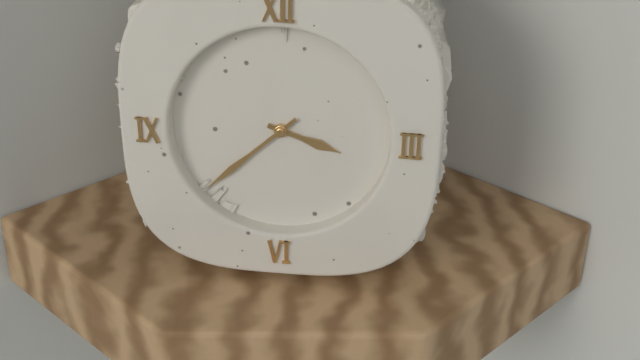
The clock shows 3.38
